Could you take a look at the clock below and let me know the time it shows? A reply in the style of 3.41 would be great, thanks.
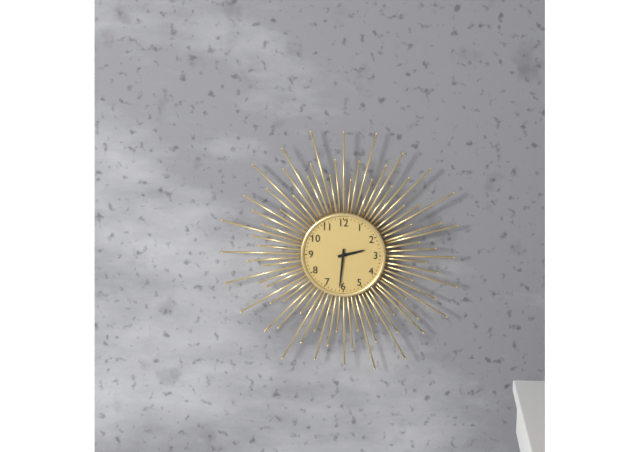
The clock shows 2.31
